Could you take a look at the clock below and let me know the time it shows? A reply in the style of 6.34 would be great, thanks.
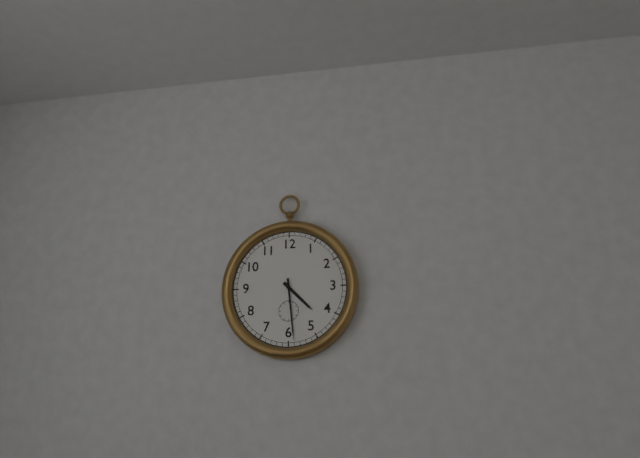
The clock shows 4.29
